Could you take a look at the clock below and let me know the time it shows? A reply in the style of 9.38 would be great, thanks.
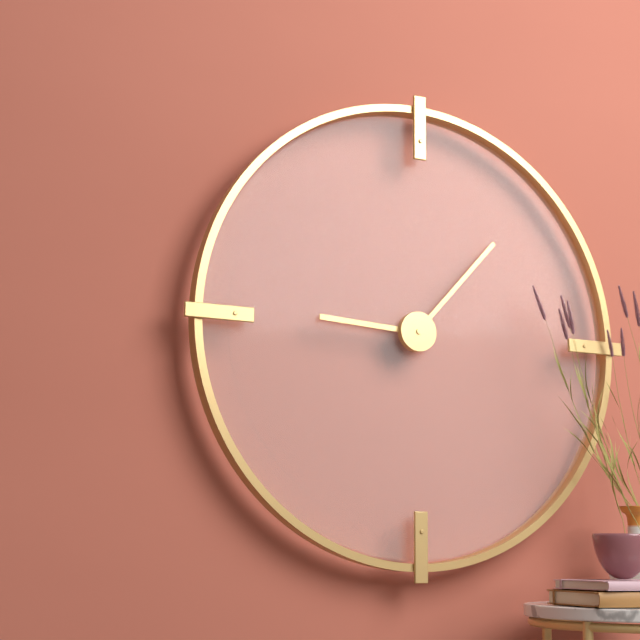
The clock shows 9.07
